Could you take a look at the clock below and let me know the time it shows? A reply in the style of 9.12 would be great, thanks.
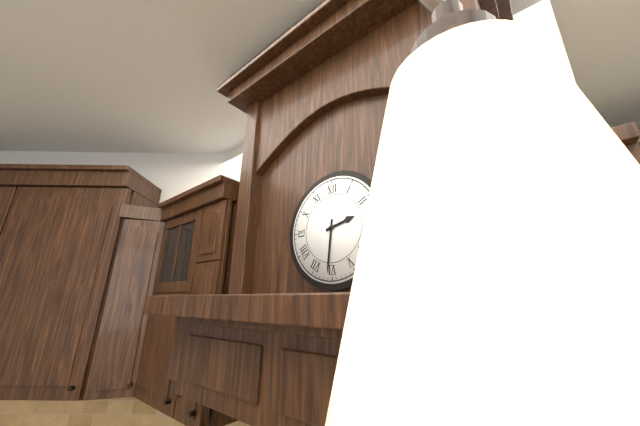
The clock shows 2.31
